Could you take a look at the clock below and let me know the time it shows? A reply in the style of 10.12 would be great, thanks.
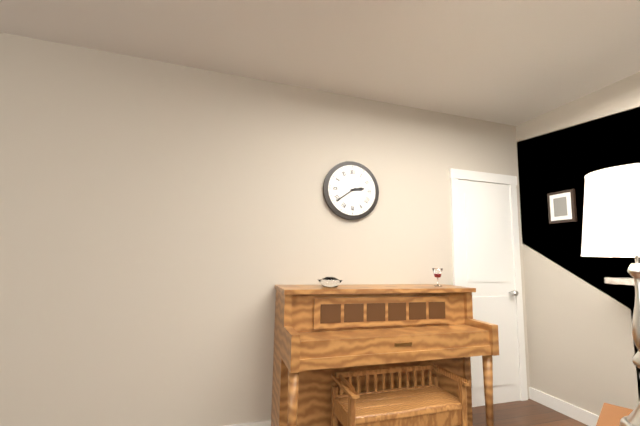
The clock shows 2.39
